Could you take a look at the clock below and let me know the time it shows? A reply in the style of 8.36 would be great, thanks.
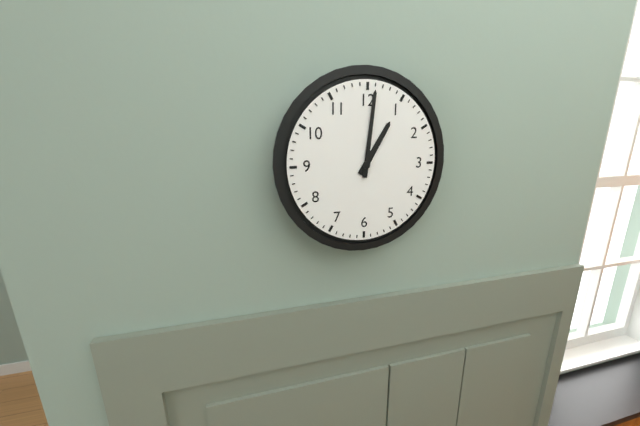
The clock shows 1.01
